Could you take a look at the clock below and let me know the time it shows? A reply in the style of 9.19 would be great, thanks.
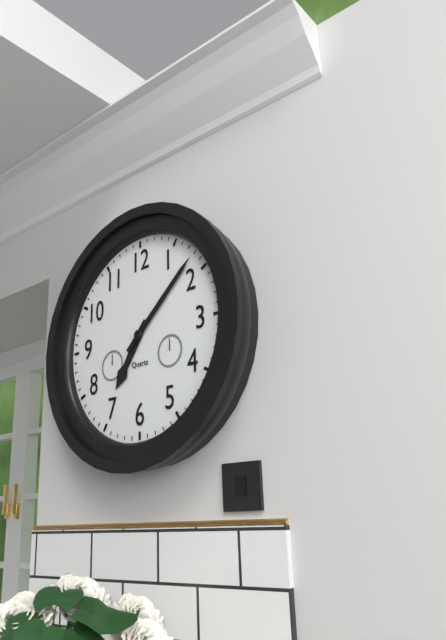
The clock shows 7.08
